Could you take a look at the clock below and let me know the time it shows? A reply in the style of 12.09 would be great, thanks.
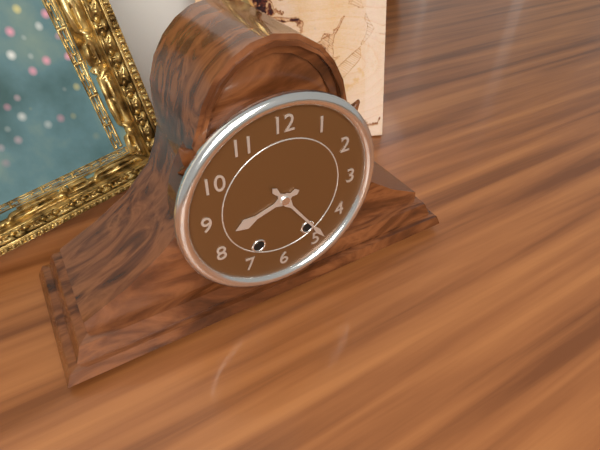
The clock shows 8.24
